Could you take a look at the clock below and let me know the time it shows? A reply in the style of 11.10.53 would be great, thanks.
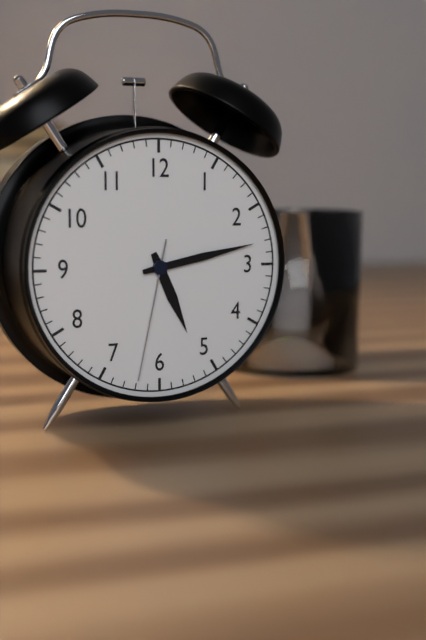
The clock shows 5.13.32
